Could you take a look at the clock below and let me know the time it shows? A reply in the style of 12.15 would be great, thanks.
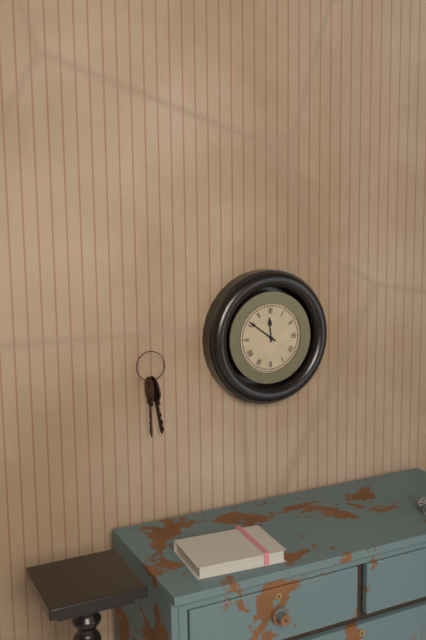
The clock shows 11.51
